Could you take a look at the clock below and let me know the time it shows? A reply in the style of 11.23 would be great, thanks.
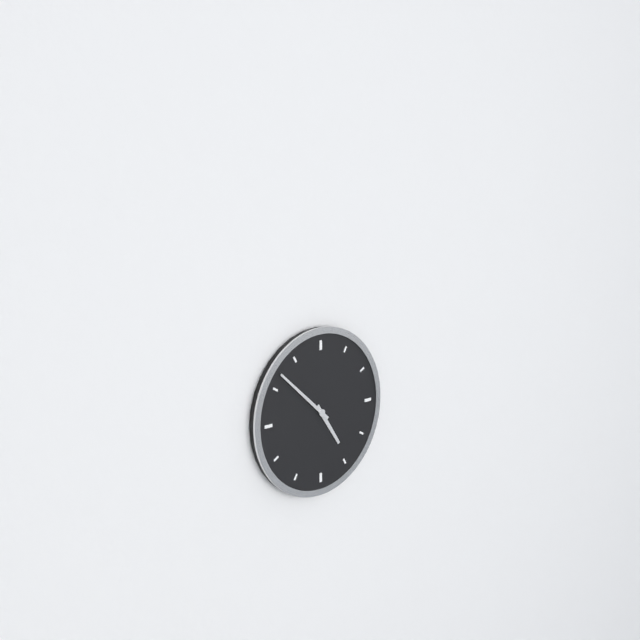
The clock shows 4.52
